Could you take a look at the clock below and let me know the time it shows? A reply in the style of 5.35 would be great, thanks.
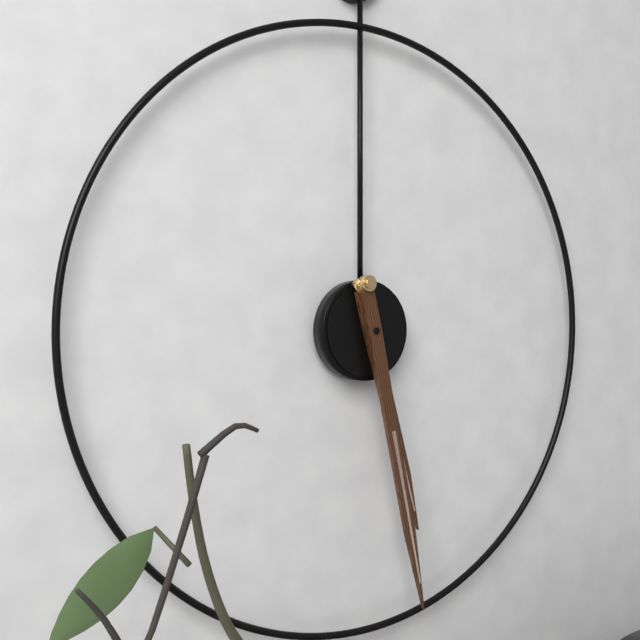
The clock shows 5.28
